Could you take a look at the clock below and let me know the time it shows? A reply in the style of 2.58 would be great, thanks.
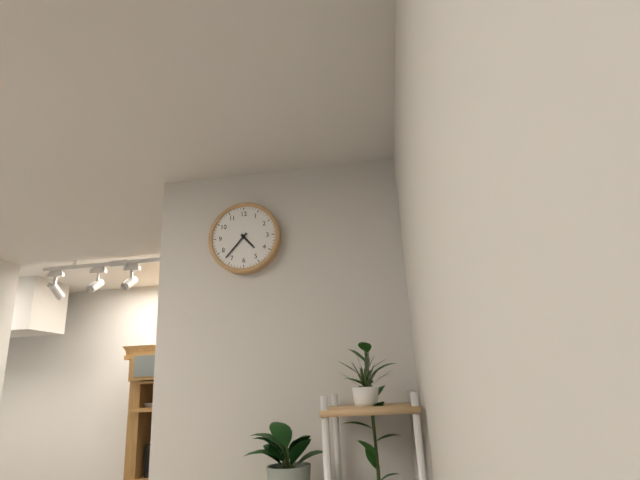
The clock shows 4.37
